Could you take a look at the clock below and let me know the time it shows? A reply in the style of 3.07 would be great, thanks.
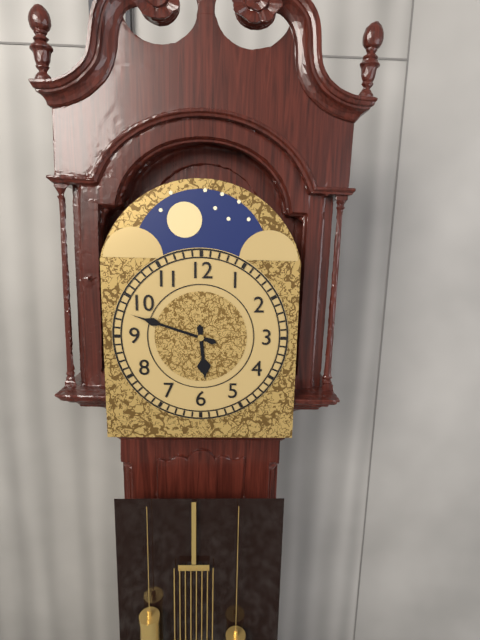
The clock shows 5.48
